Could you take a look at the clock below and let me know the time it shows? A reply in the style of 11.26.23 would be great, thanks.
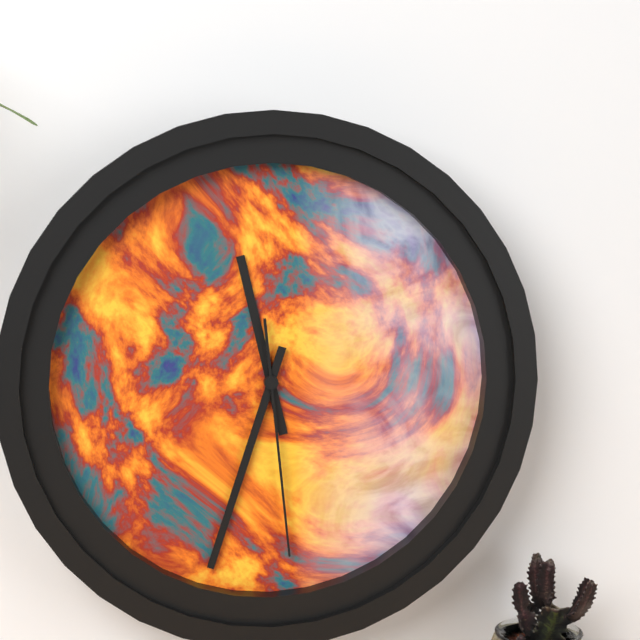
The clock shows 11.33.29
